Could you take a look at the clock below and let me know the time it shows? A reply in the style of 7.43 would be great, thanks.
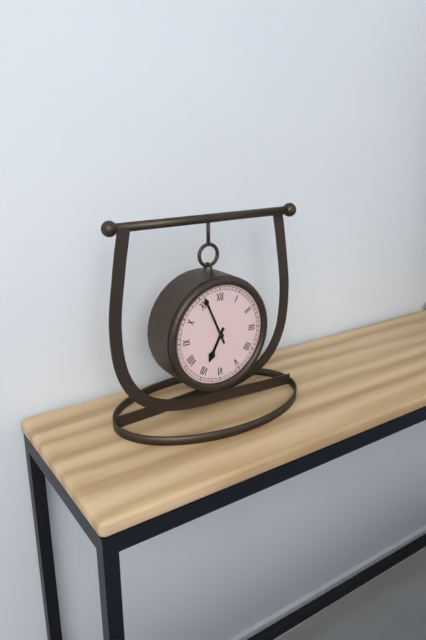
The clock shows 6.56
